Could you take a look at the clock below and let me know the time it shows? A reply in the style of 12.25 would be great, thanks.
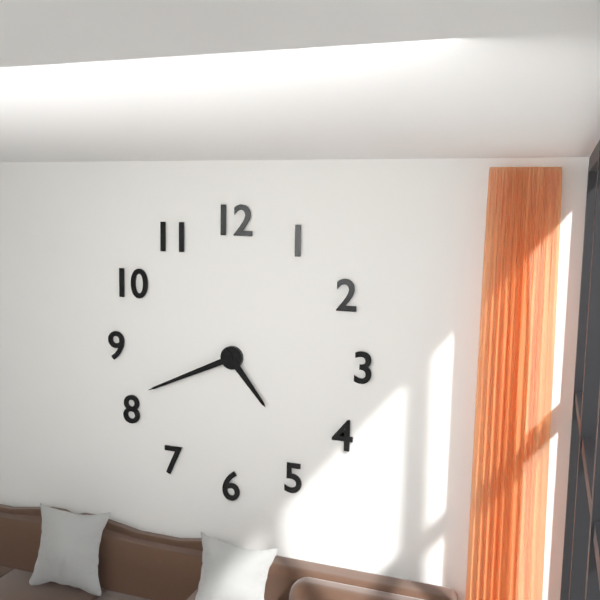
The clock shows 4.41
